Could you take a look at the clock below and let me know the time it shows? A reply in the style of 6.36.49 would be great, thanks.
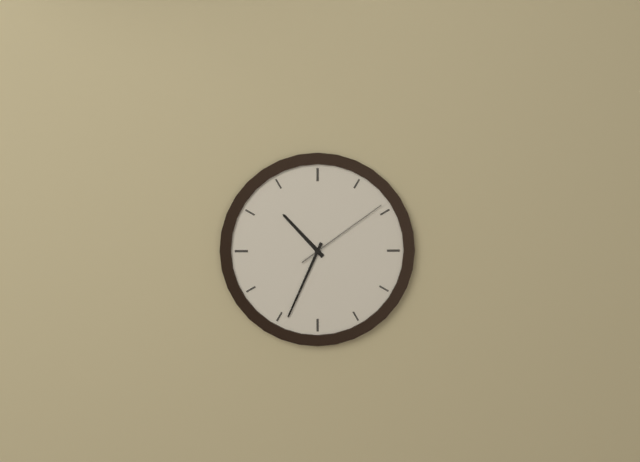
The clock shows 10.34.09
